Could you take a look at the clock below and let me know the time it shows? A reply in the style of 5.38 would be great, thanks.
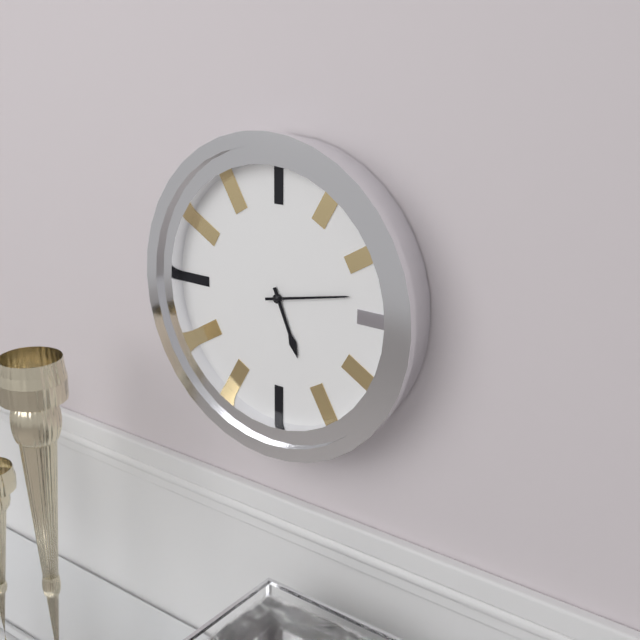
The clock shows 5.13
